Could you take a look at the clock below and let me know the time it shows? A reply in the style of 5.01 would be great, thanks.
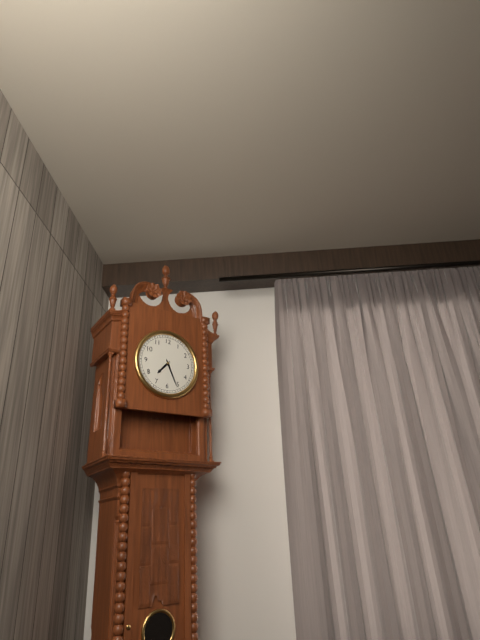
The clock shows 7.26
